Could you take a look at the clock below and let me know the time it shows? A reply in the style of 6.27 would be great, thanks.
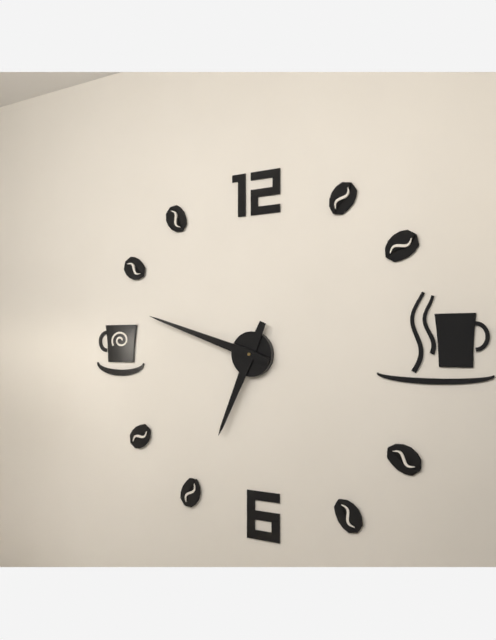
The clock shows 6.48
